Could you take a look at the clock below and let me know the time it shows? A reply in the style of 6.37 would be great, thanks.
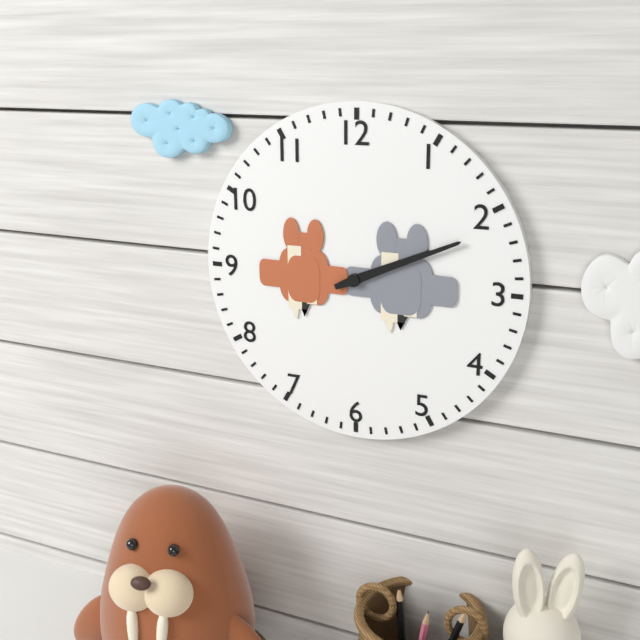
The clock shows 2.11
